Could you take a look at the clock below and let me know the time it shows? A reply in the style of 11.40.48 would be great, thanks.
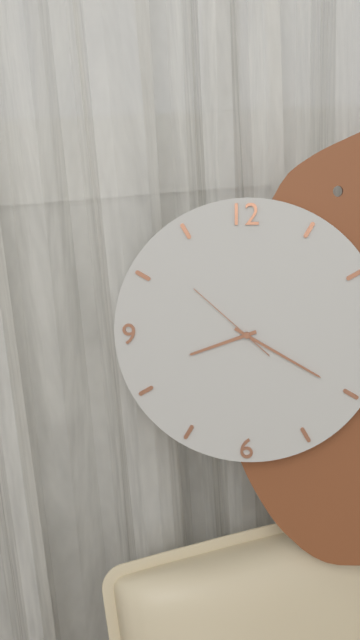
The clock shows 8.20.52
